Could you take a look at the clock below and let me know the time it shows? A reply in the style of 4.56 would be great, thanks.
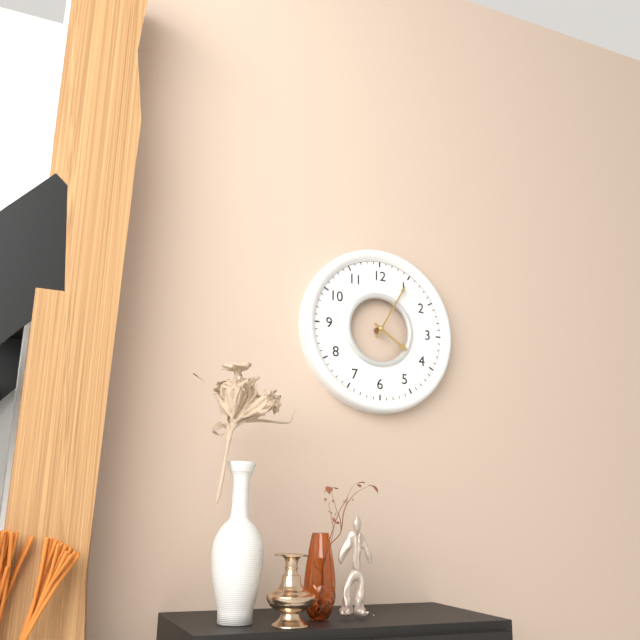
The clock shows 4.05
